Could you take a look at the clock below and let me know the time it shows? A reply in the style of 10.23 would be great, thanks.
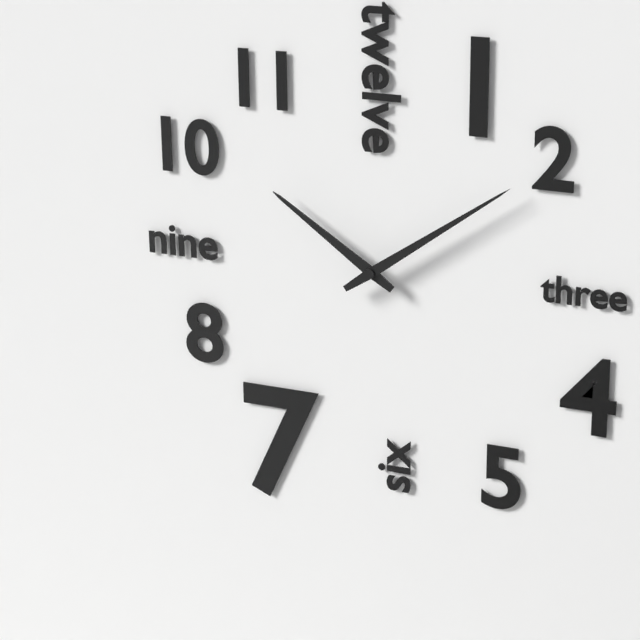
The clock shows 10.09
